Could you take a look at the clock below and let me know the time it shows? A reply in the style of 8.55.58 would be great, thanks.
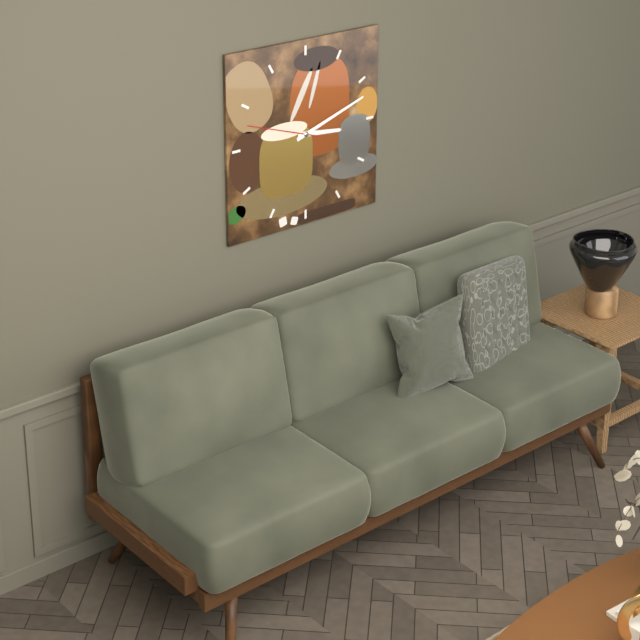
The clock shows 3.12.48
